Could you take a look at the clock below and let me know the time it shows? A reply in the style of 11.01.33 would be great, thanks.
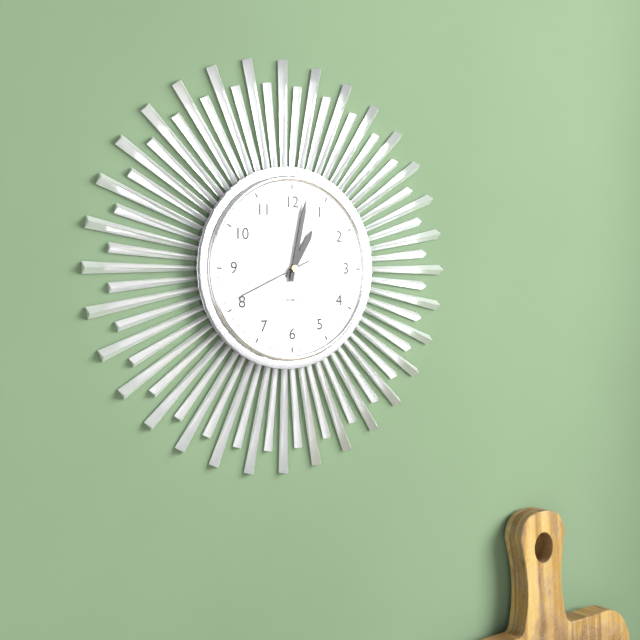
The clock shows 1.02.41
